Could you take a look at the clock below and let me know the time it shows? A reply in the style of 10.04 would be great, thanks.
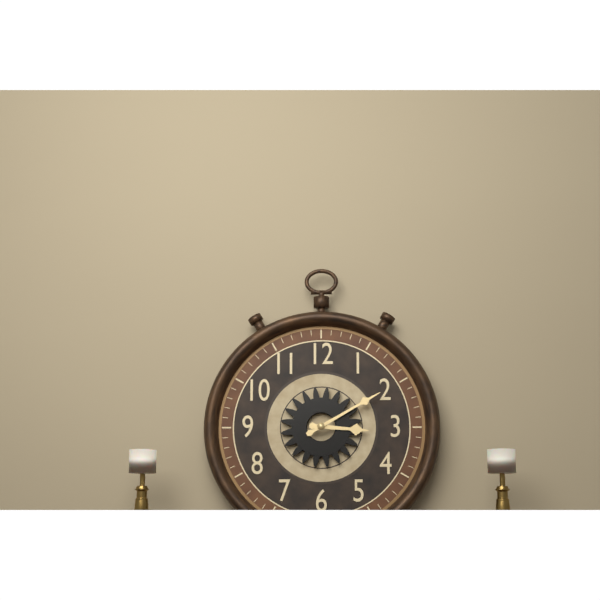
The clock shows 3.10
